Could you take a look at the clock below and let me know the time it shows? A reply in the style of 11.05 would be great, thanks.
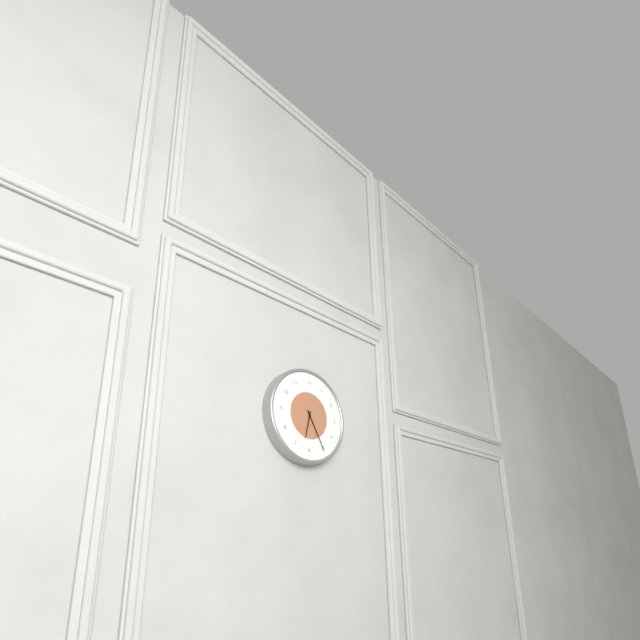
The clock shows 6.25
